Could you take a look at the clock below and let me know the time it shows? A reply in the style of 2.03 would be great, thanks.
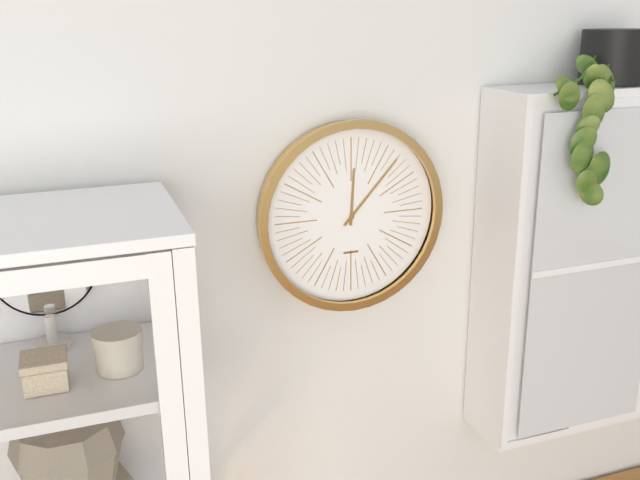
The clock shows 12.07
